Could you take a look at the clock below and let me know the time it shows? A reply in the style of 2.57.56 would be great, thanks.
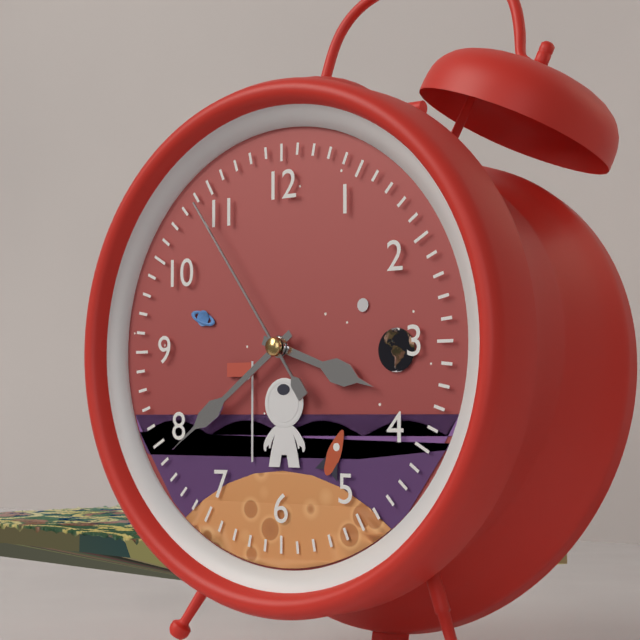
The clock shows 3.39.54
